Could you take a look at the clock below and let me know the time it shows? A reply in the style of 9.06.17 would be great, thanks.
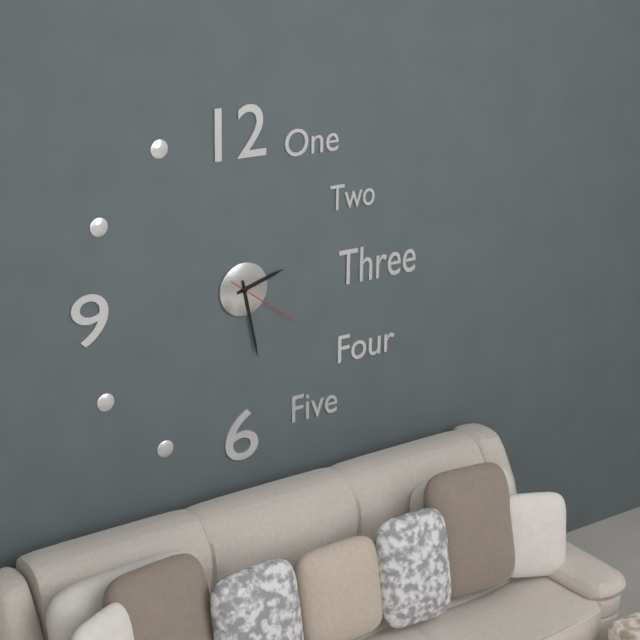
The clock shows 2.28.21
